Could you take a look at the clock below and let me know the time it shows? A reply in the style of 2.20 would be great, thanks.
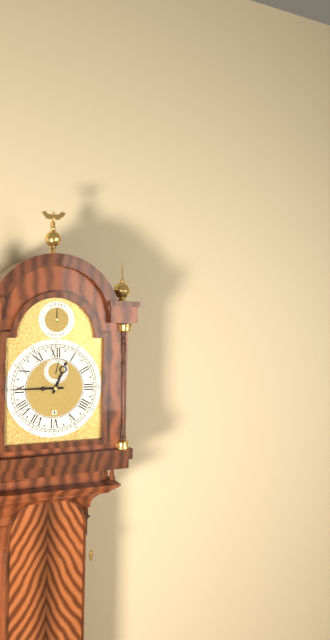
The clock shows 12.45
